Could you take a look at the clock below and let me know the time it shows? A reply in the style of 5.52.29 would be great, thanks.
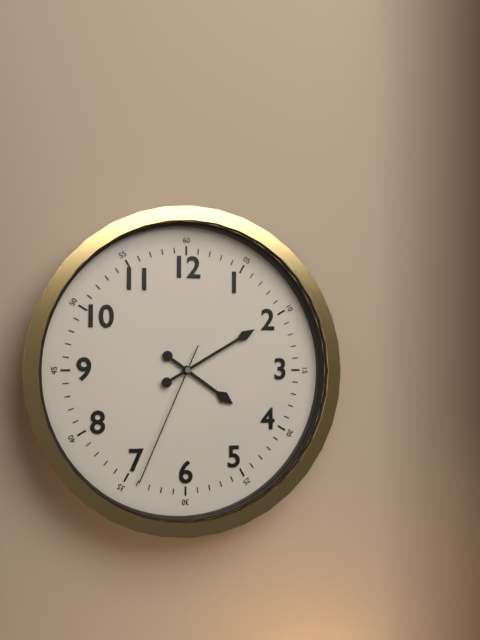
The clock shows 4.10.34
